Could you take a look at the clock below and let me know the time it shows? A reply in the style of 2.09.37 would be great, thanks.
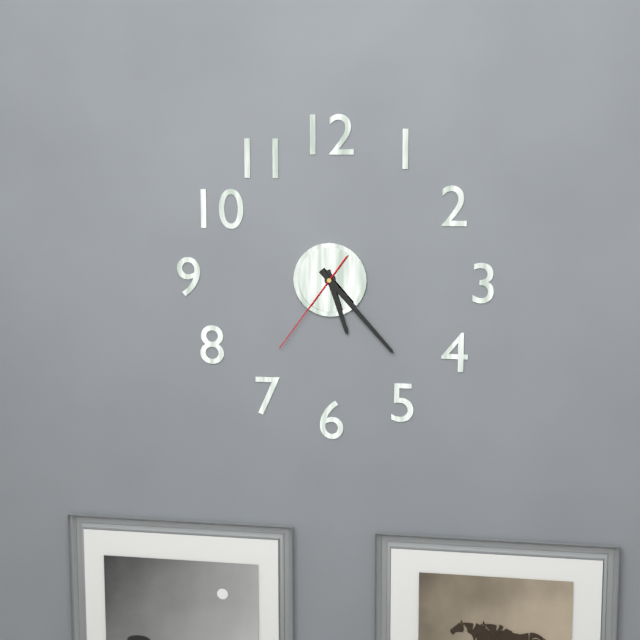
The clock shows 5.23.36
